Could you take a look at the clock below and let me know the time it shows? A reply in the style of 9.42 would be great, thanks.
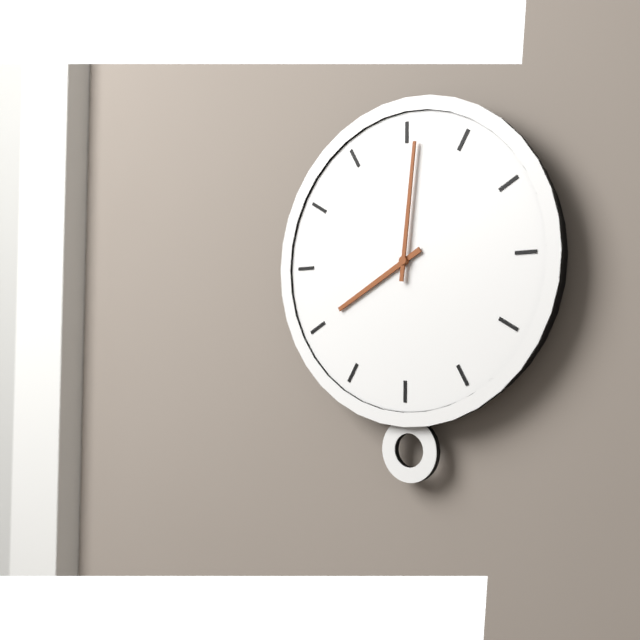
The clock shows 8.01
